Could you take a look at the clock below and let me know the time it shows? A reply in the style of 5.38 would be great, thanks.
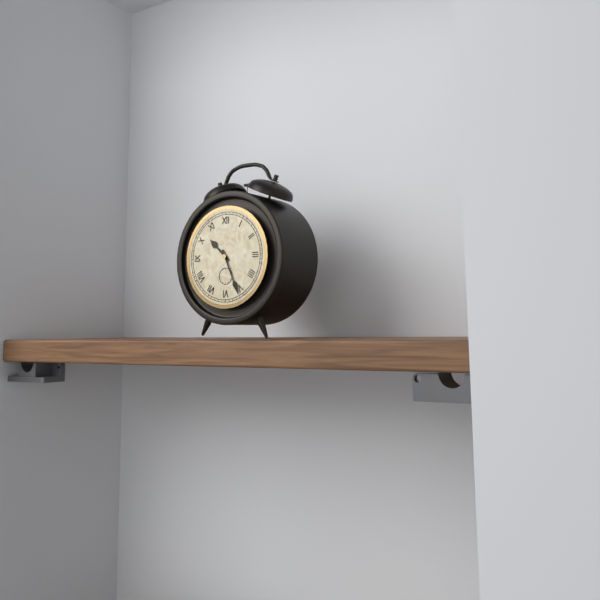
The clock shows 10.26
